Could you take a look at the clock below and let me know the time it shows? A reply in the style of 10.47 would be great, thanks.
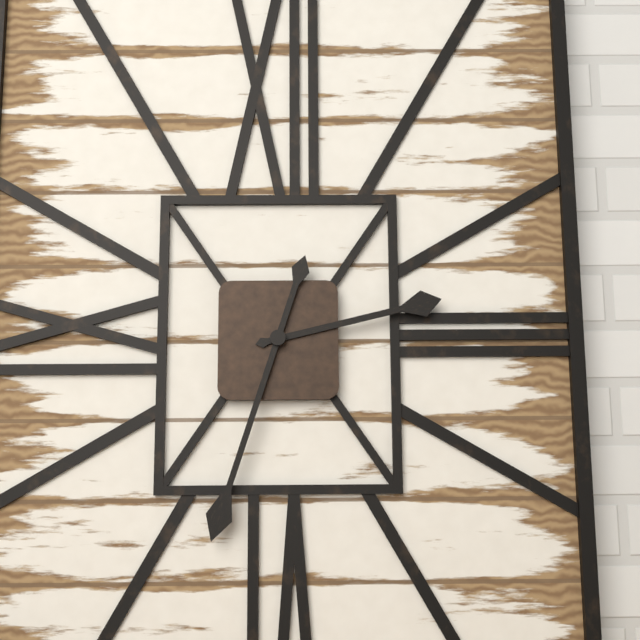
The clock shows 2.33
